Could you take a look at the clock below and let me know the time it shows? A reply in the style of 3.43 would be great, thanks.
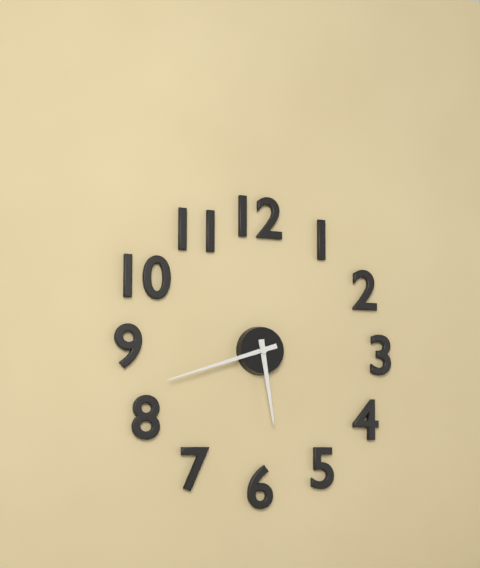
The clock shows 5.42
